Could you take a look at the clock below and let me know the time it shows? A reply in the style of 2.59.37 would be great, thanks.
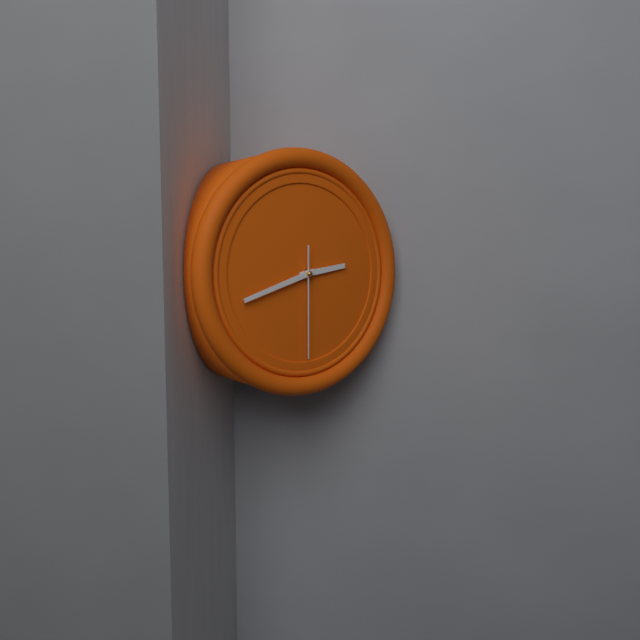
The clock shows 2.42.30
